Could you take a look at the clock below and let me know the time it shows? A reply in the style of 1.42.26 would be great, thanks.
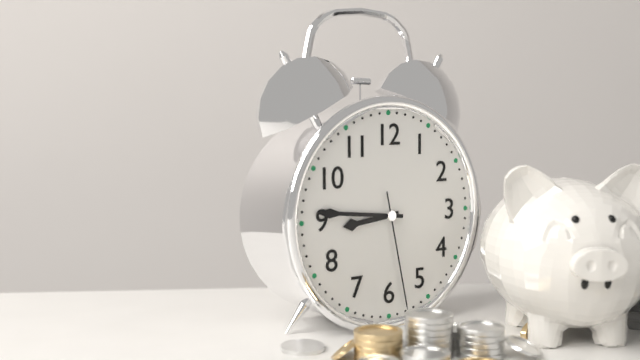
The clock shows 8.46.28
